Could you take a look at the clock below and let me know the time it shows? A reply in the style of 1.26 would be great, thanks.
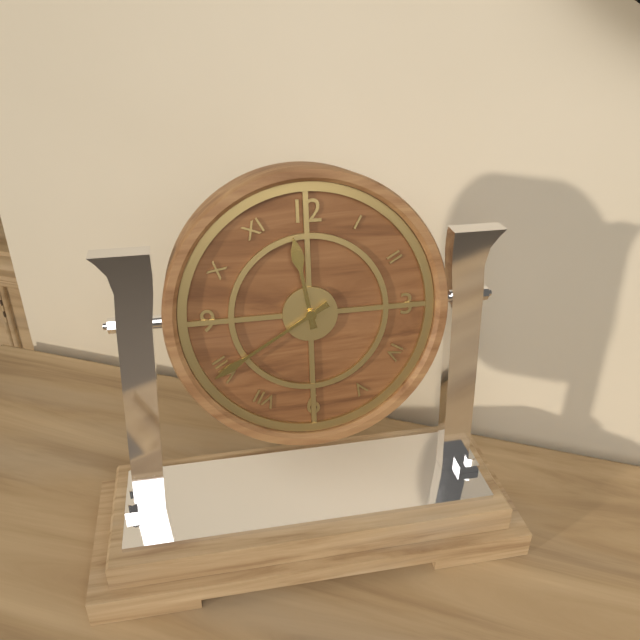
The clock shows 11.40
